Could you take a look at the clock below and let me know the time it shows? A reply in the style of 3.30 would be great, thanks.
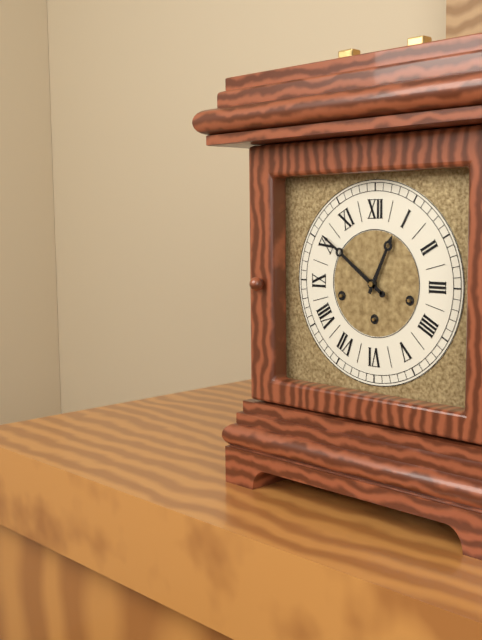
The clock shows 12.51
